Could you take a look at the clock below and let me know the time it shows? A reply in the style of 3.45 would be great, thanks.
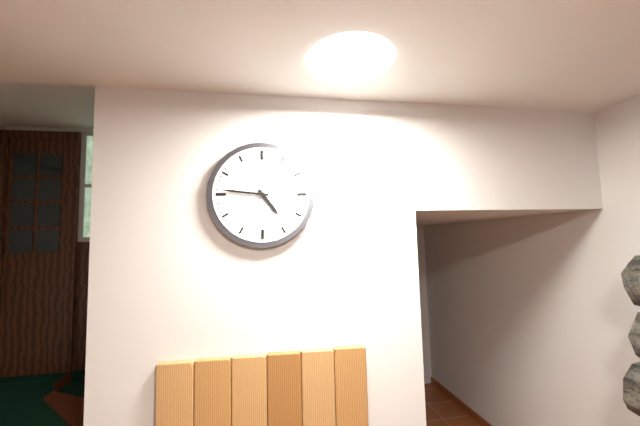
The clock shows 4.46
